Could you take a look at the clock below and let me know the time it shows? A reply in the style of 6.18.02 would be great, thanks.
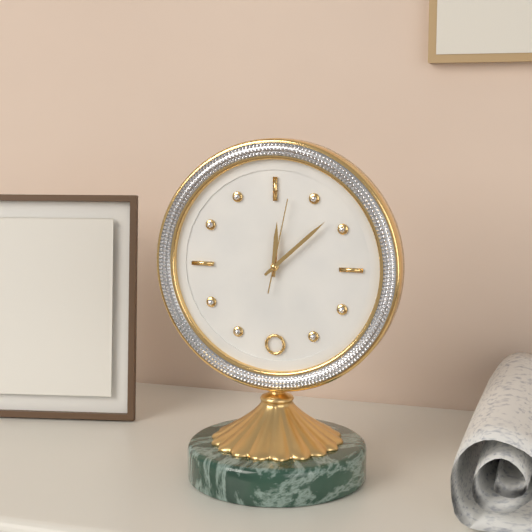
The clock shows 12.08.02
